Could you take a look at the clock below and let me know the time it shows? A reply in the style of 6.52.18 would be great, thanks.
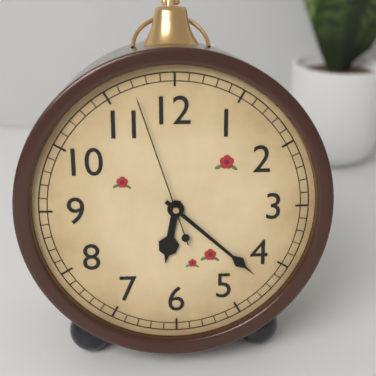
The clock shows 6.22.57
